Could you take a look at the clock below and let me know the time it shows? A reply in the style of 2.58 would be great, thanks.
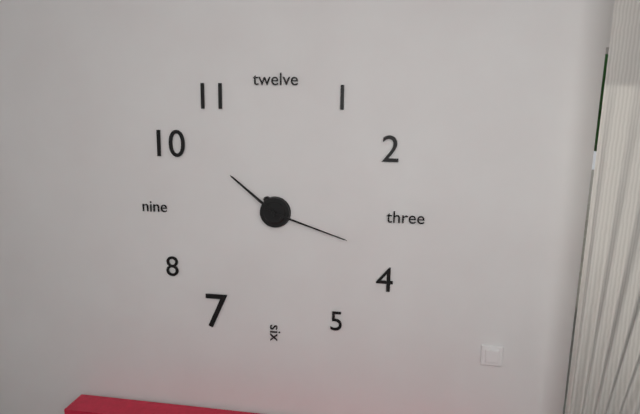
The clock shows 10.18
